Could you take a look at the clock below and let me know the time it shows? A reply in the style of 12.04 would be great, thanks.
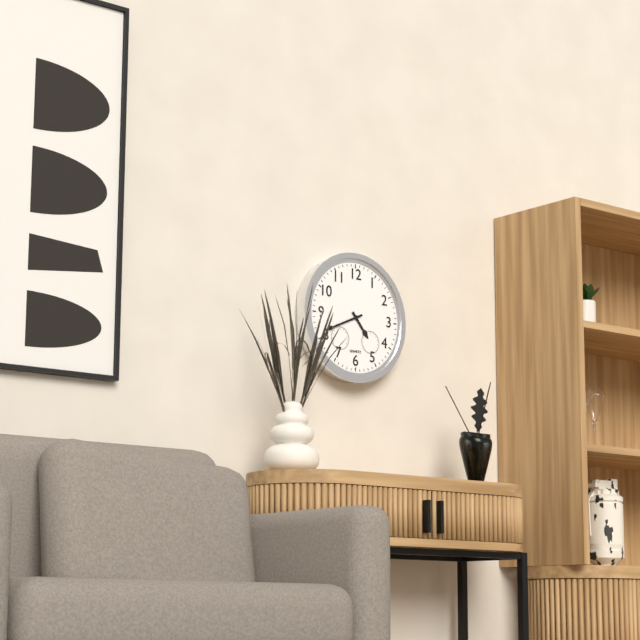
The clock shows 4.41
